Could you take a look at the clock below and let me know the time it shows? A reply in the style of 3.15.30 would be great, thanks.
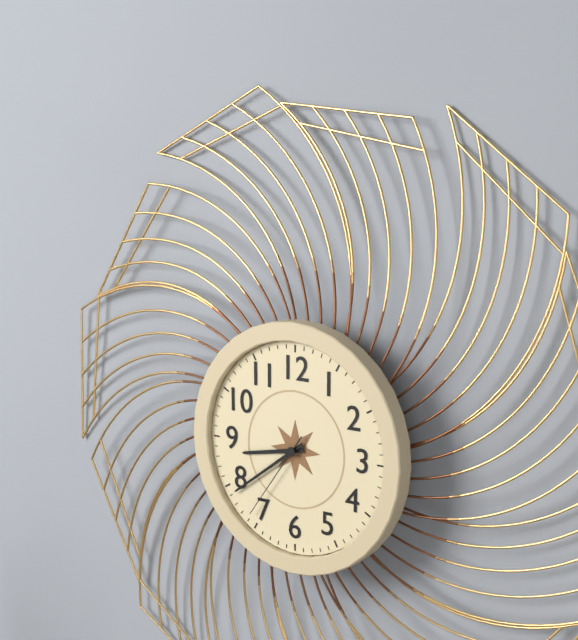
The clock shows 8.39.36
